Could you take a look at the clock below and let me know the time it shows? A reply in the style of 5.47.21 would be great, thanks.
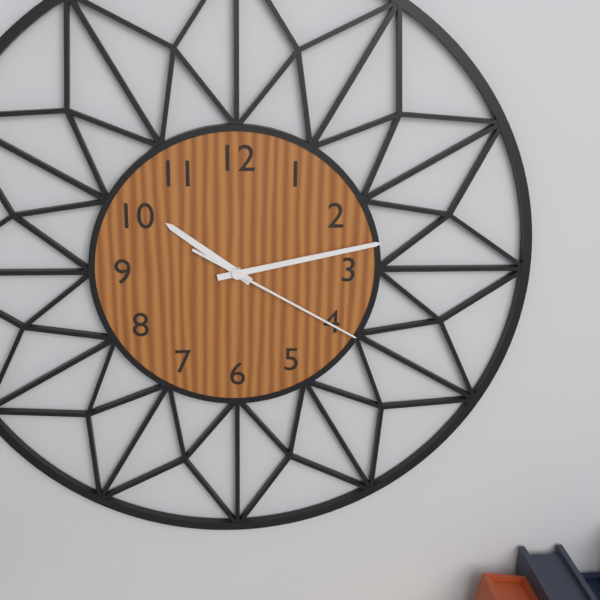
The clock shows 10.13.20
